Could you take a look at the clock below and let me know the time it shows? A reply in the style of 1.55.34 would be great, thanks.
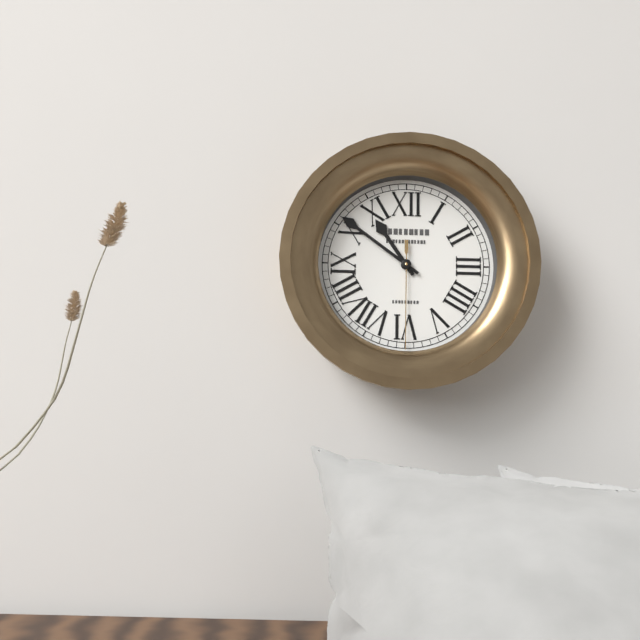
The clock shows 10.51.30
